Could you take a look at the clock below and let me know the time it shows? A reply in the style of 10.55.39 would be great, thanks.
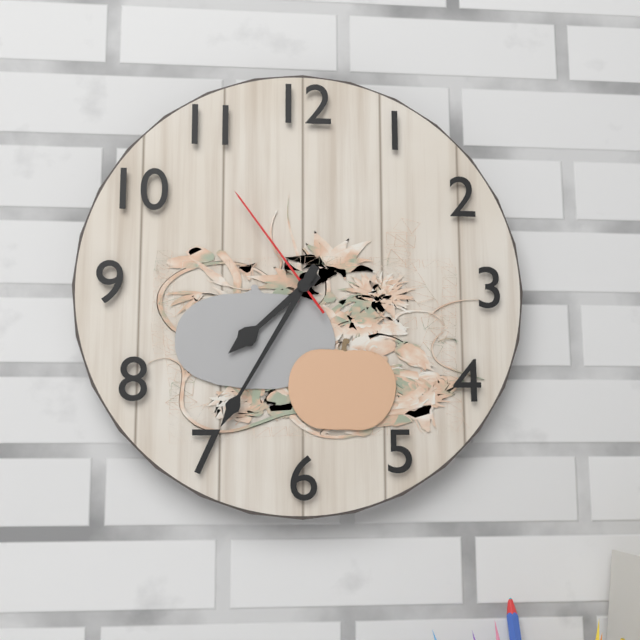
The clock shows 7.35.54
